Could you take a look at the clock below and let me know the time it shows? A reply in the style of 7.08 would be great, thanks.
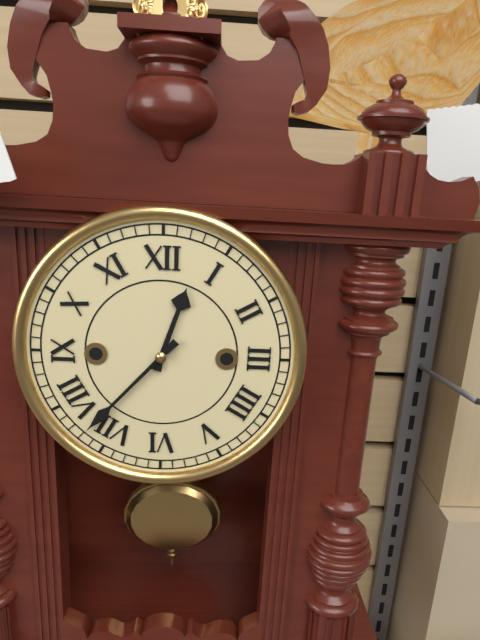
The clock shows 12.37
